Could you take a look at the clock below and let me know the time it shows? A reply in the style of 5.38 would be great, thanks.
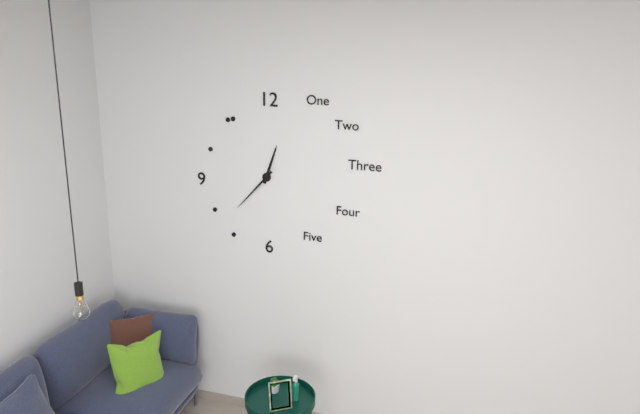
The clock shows 12.37
